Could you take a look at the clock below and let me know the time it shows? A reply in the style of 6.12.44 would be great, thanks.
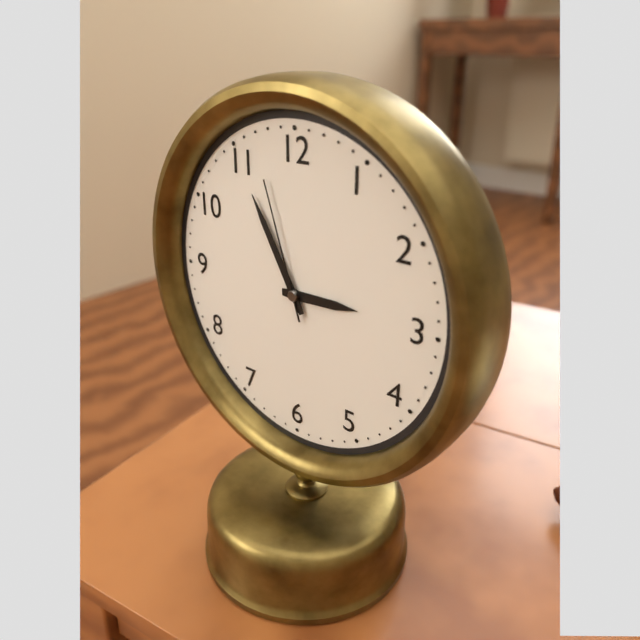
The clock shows 2.55.57
